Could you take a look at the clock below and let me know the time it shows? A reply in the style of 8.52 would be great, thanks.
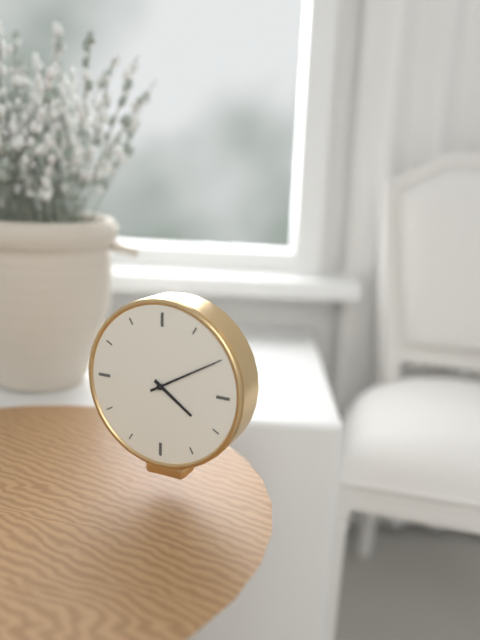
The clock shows 4.10
